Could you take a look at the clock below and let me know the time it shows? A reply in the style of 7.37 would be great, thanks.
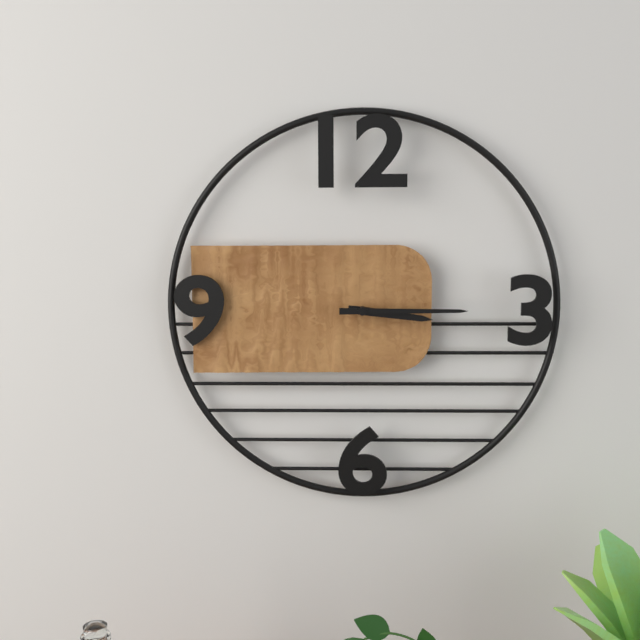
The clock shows 3.15
